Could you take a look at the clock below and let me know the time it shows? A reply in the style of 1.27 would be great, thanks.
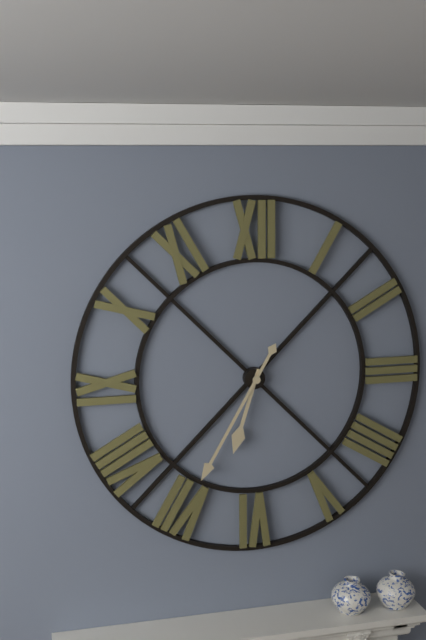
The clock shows 6.35
